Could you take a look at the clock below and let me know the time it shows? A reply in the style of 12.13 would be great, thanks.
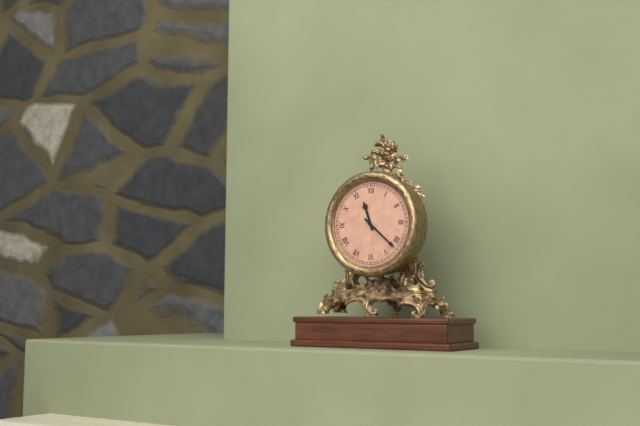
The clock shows 11.22
